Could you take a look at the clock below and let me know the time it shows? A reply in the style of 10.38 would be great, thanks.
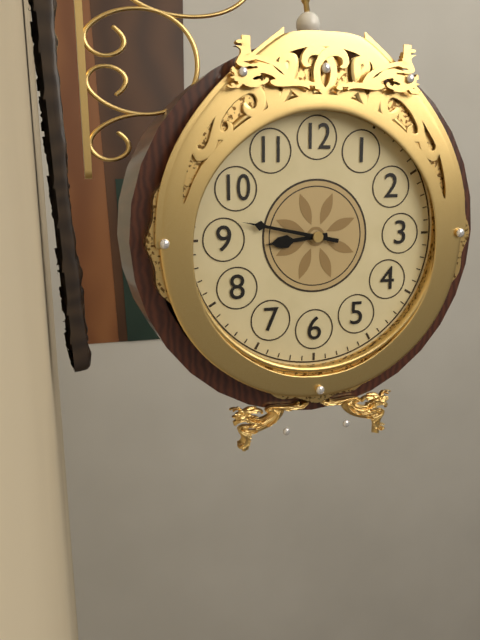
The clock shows 8.47
